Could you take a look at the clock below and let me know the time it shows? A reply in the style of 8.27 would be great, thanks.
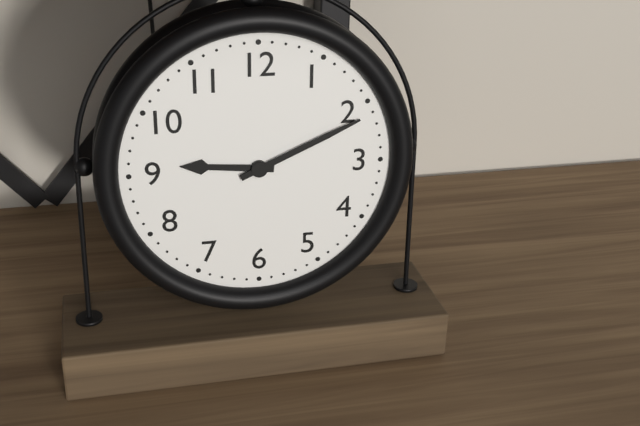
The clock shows 9.11
